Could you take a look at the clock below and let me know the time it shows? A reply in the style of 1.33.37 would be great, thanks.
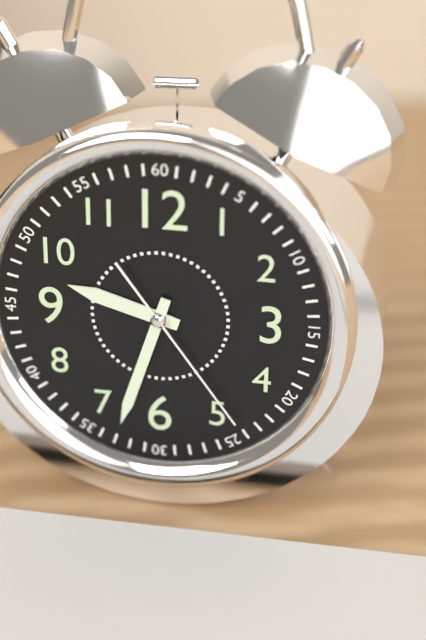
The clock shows 9.33.24
